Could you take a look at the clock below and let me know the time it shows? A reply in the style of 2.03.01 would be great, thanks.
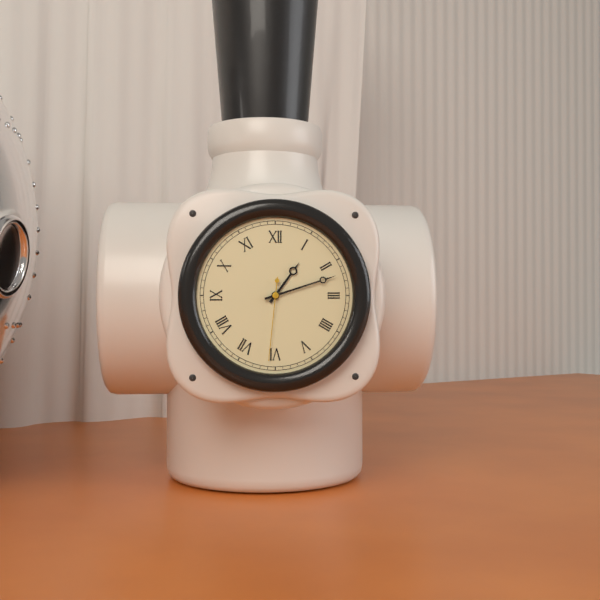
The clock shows 1.12.31
